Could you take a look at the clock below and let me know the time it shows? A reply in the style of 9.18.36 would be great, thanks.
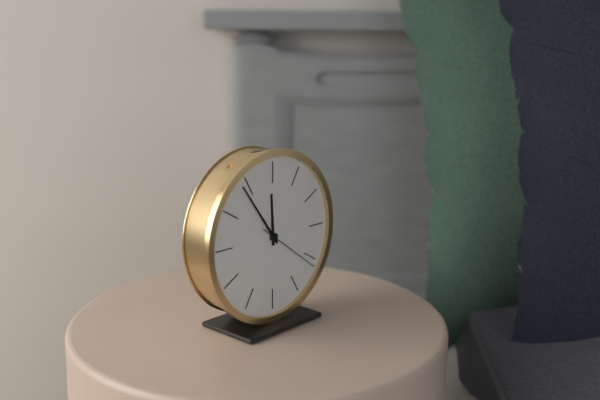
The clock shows 11.54.21
